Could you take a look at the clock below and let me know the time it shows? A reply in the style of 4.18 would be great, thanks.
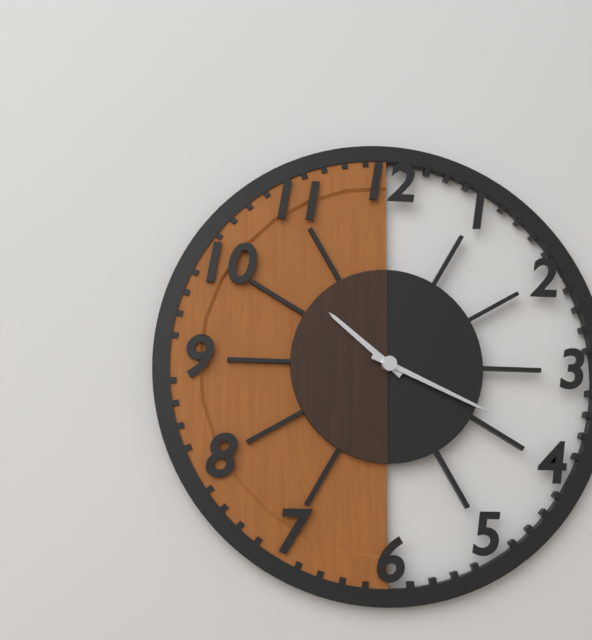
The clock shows 10.19
